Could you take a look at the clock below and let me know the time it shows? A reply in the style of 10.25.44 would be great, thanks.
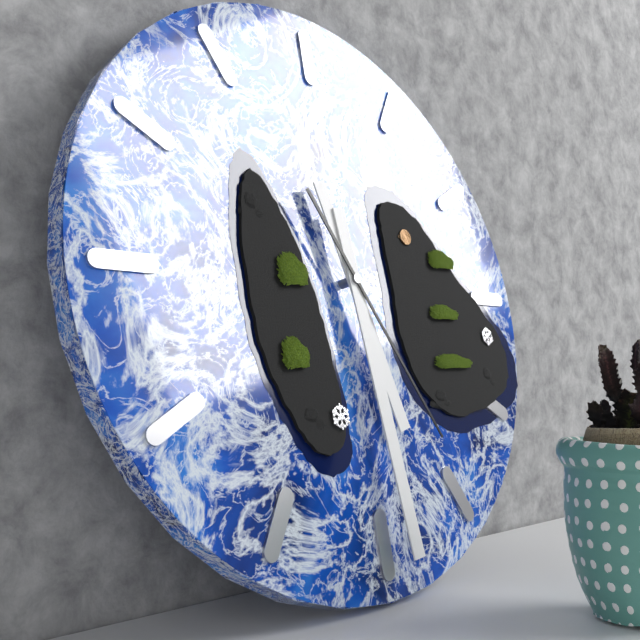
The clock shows 5.29.25
